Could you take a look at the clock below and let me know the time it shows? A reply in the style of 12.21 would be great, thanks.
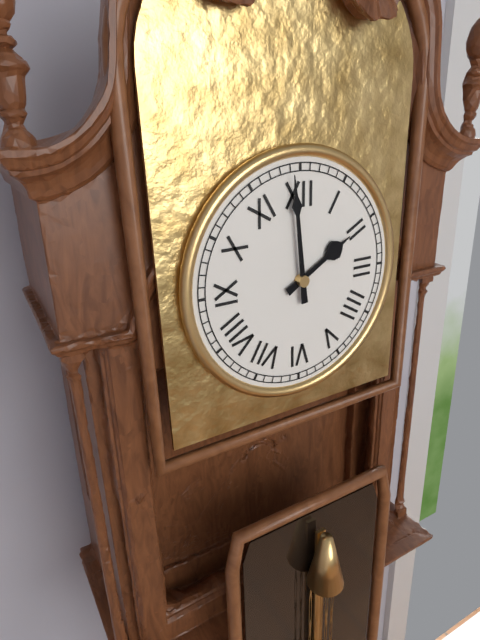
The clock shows 1.59
